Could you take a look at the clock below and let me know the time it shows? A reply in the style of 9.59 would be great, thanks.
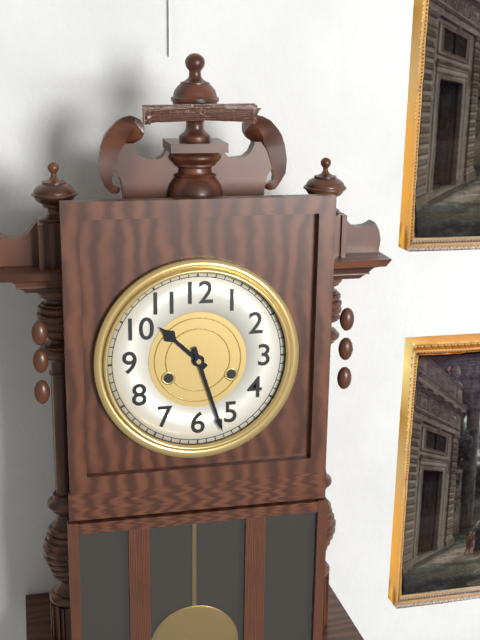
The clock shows 10.27
